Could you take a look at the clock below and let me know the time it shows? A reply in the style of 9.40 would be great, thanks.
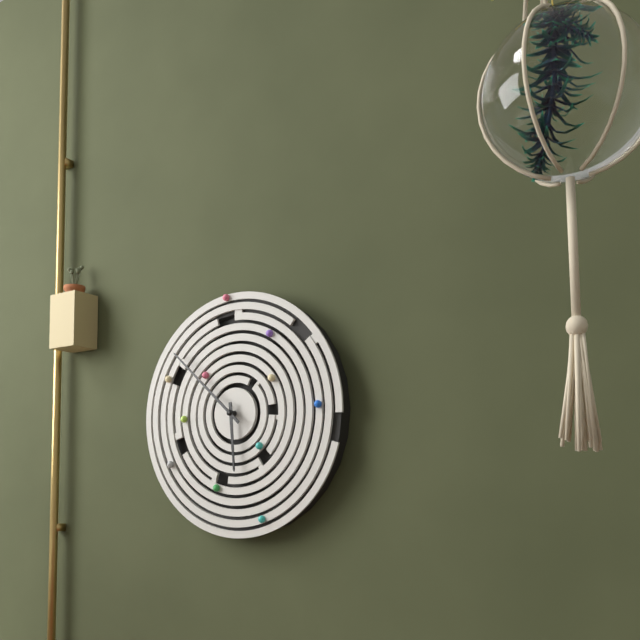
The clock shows 5.52
